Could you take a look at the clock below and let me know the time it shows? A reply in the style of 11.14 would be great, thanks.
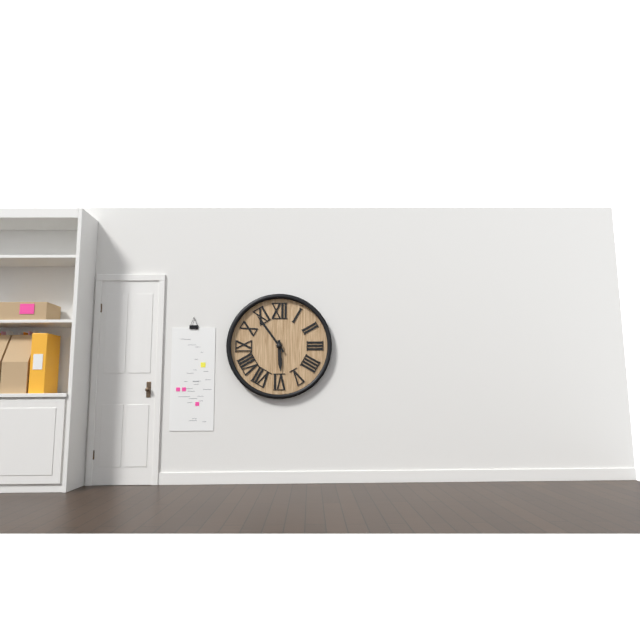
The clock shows 5.54
